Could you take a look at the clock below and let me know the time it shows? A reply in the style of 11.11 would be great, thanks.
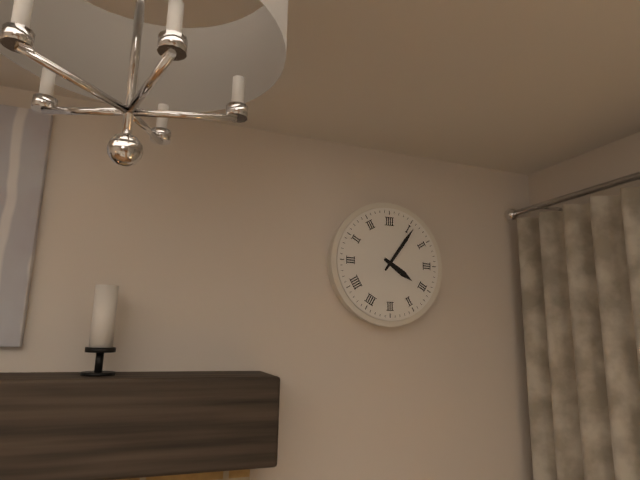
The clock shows 4.06
